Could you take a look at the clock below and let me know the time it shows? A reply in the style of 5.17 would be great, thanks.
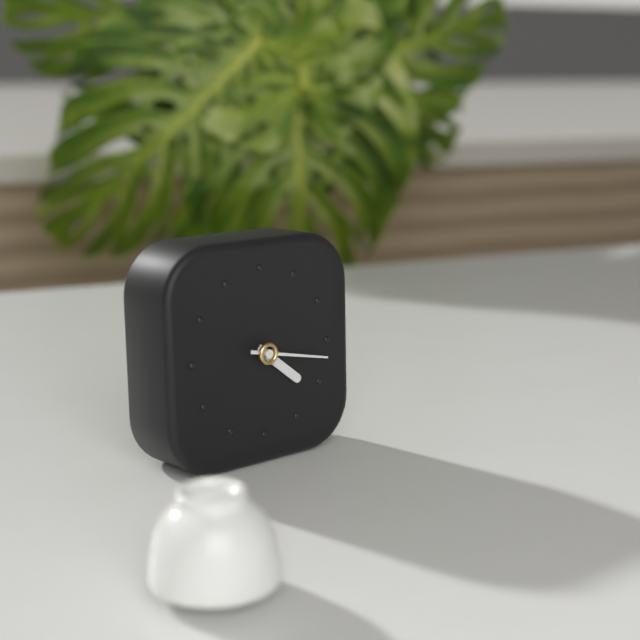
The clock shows 4.17
